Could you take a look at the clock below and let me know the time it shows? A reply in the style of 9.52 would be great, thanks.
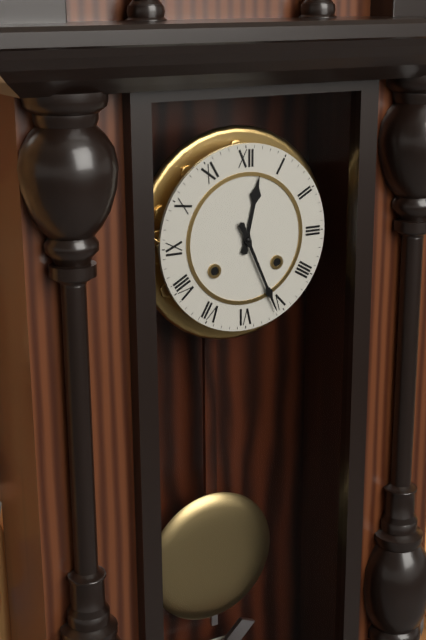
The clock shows 12.26
